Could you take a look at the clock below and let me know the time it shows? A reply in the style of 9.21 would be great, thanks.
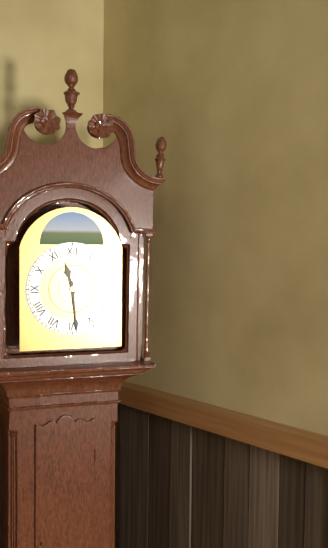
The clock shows 11.29
